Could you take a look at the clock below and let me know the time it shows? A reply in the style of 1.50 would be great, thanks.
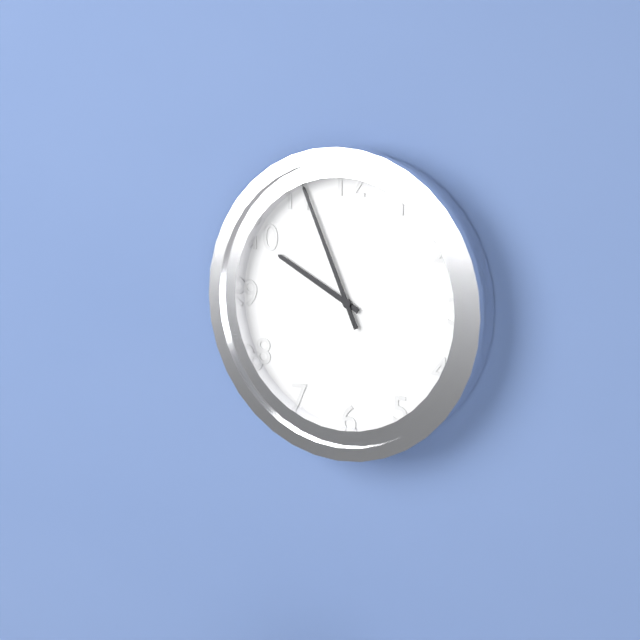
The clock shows 9.56
